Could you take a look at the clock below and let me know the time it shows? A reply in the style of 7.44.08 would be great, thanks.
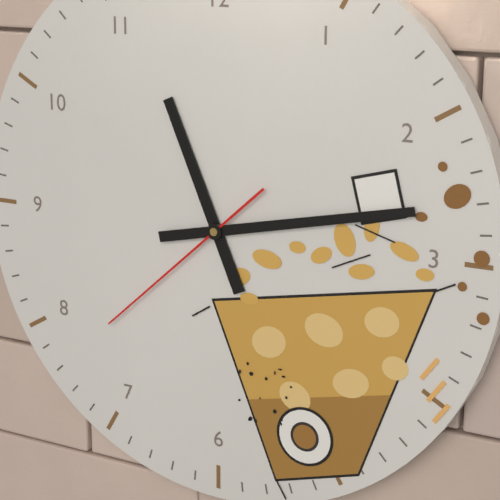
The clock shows 11.13.38
